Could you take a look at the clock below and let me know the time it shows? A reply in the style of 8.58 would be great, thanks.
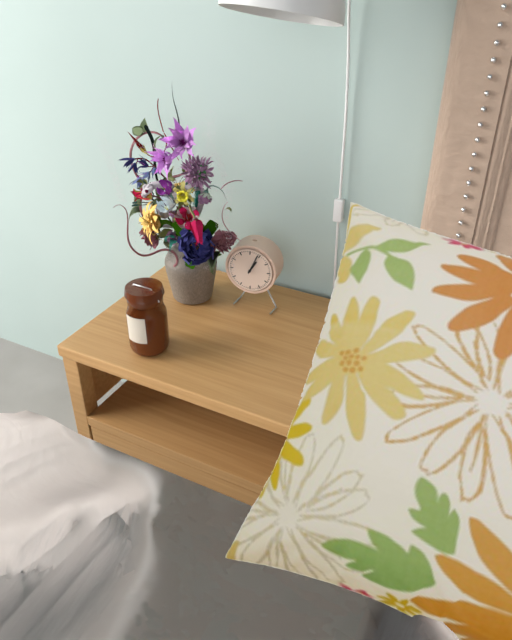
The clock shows 1.04
